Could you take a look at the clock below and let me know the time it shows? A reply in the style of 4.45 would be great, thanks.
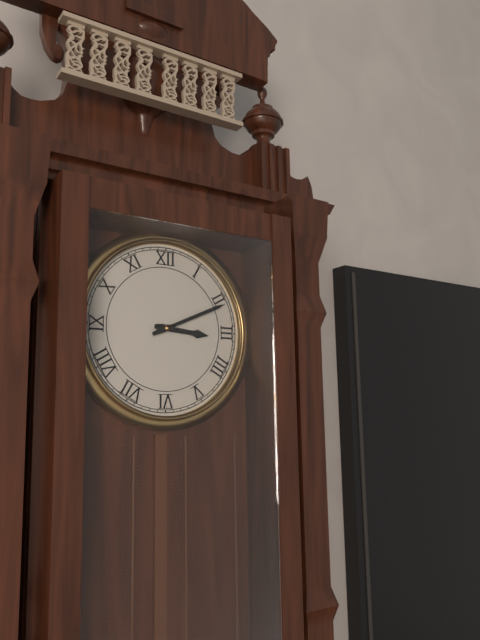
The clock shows 3.11
